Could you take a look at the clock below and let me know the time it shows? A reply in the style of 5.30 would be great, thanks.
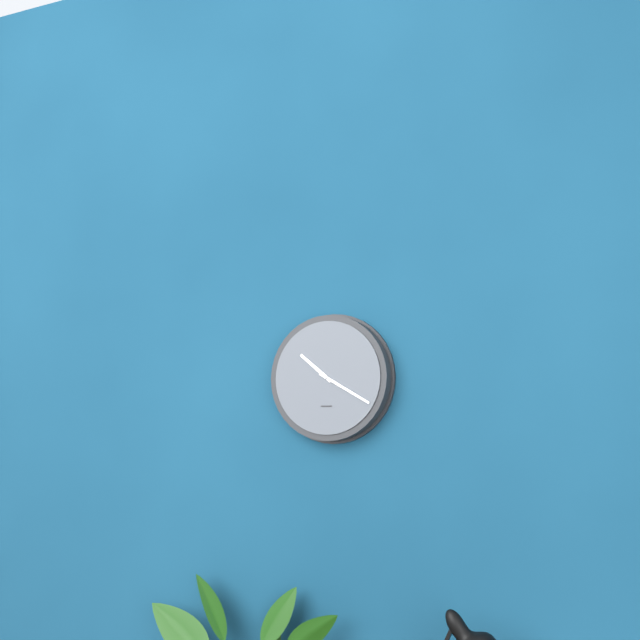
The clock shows 10.20
